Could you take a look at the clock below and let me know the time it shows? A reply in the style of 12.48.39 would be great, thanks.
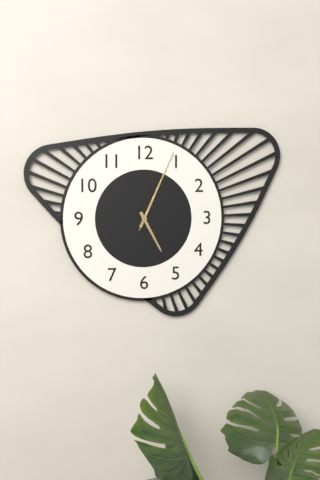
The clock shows 5.04.04
